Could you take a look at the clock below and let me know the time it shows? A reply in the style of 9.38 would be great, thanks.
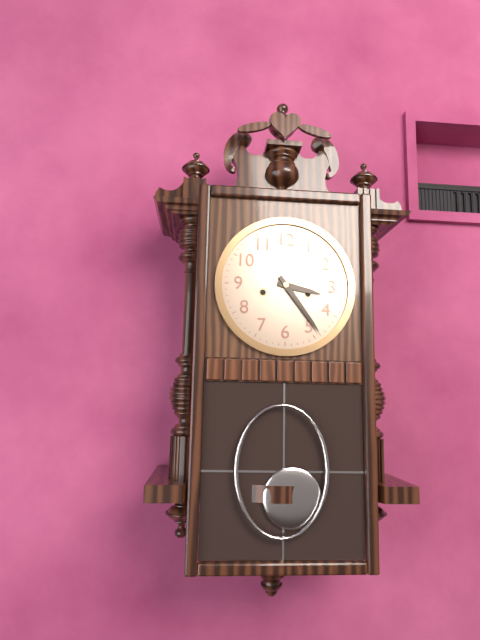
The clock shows 3.24
